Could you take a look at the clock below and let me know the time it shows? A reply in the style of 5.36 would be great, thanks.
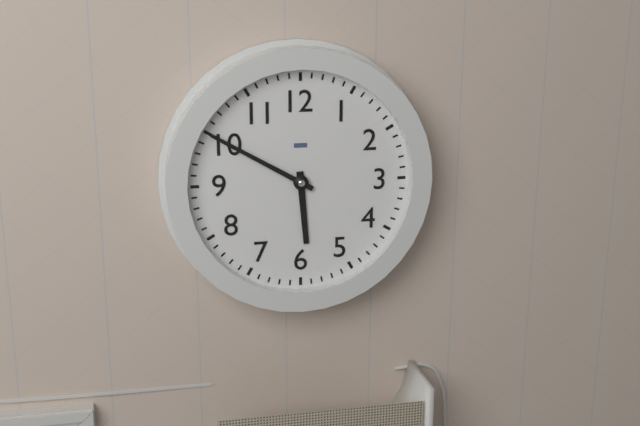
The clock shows 5.50
